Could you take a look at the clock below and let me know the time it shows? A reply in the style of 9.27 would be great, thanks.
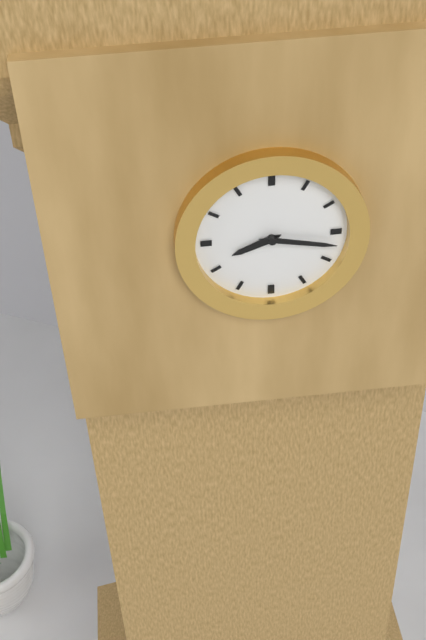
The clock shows 8.17
